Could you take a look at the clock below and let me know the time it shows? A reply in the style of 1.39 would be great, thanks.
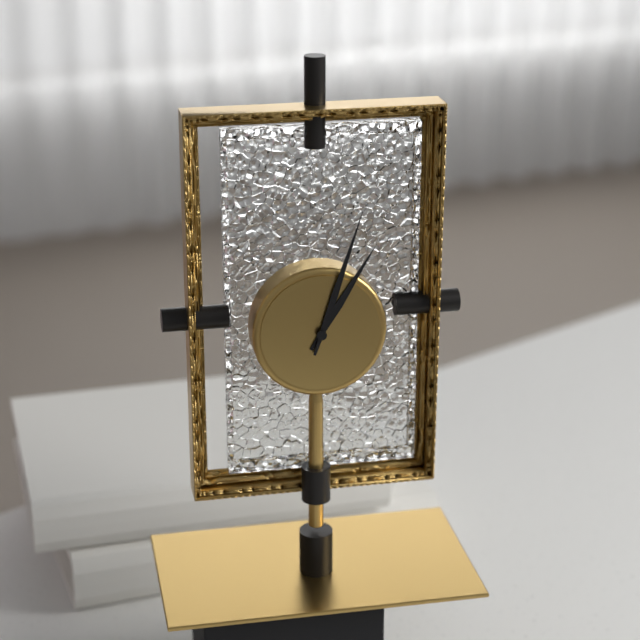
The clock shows 1.03
